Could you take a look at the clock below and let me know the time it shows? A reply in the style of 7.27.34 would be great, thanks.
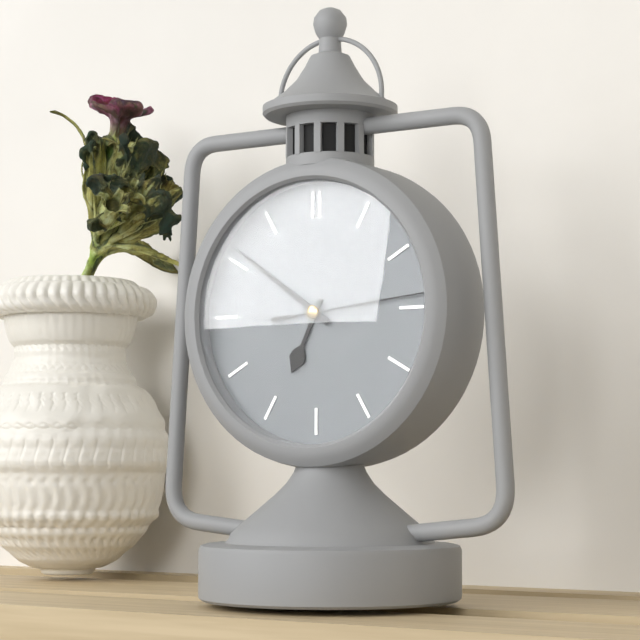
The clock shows 6.51.14
